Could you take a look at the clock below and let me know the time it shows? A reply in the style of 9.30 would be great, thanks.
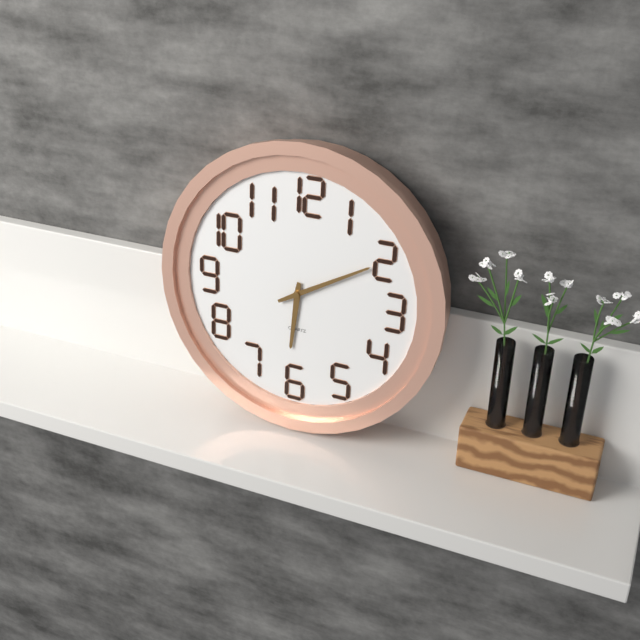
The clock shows 6.10
